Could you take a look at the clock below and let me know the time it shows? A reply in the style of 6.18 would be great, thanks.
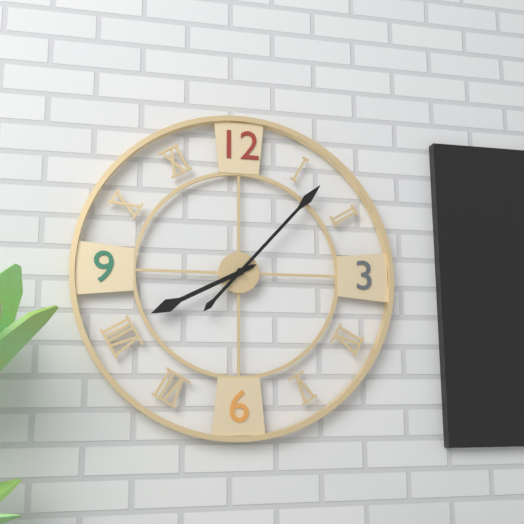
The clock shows 8.07
